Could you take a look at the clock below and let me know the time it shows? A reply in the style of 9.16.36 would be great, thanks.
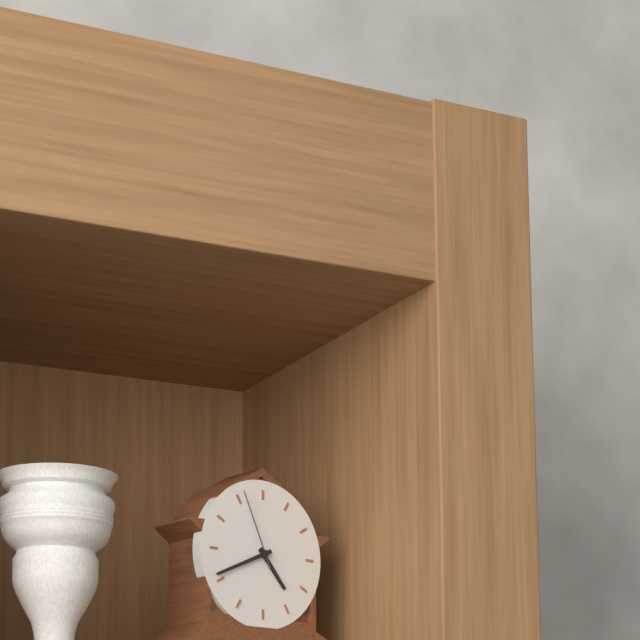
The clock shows 4.41.56
